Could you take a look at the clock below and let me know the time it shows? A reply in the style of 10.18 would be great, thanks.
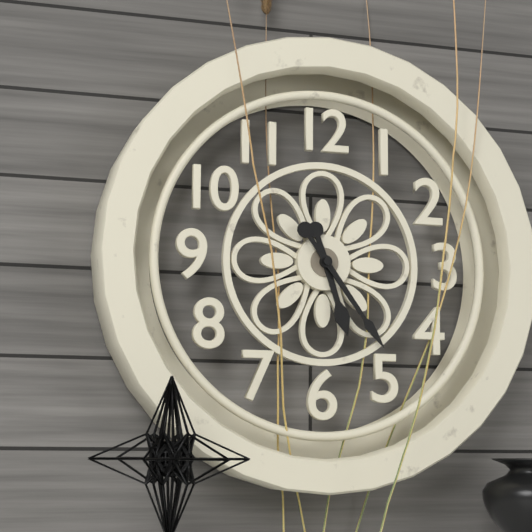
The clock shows 5.24
